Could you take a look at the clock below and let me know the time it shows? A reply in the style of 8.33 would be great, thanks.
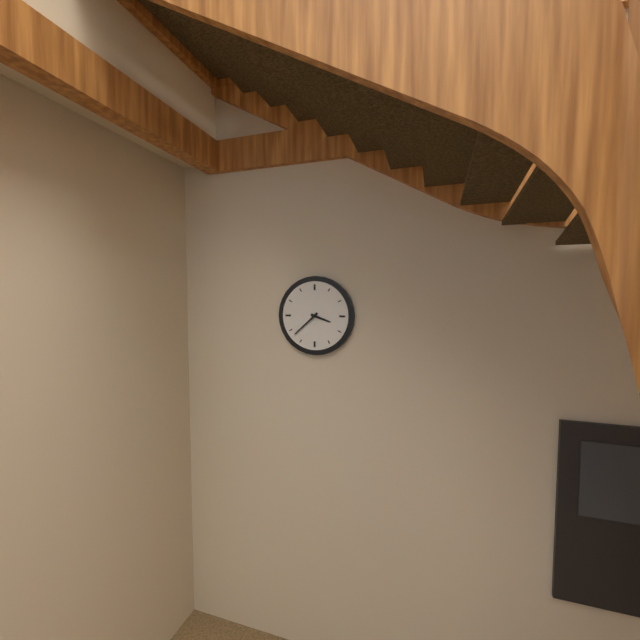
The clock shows 3.38
